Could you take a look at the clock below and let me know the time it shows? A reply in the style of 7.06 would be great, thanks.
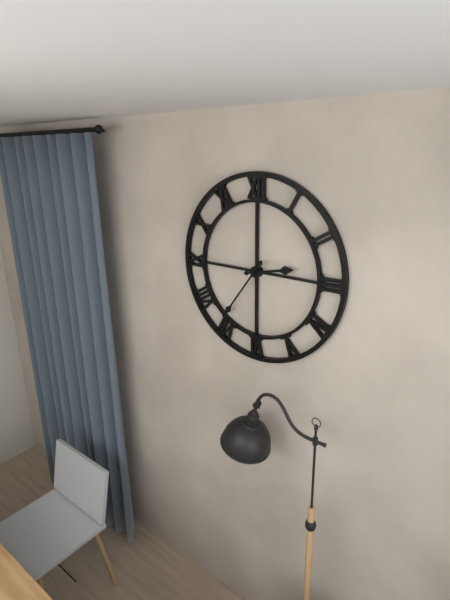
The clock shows 2.36
